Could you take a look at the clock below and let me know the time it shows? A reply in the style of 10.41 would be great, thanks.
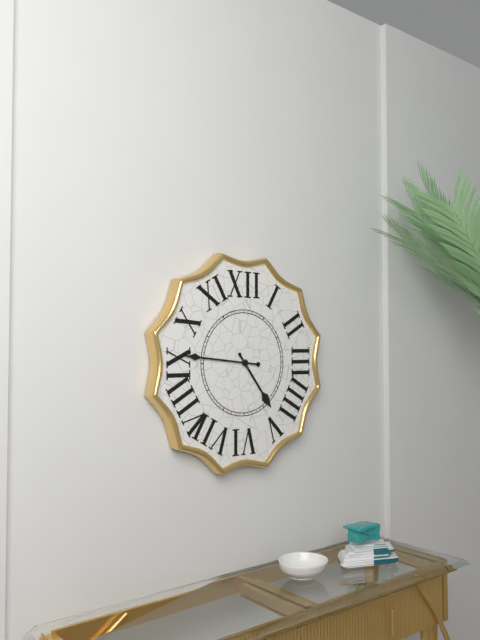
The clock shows 4.46
